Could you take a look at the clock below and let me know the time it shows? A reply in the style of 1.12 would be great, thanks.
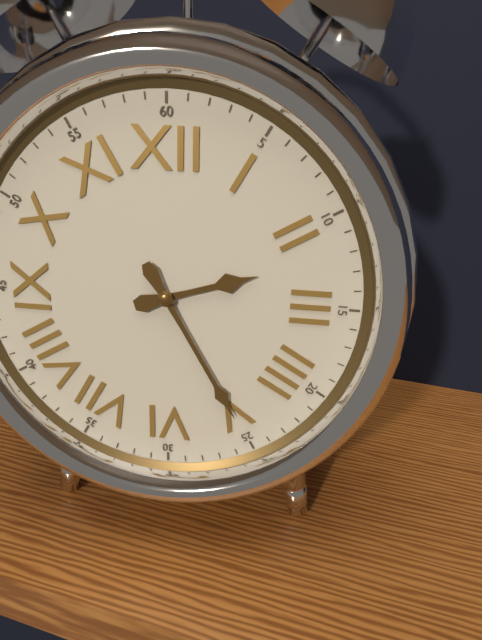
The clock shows 2.25
